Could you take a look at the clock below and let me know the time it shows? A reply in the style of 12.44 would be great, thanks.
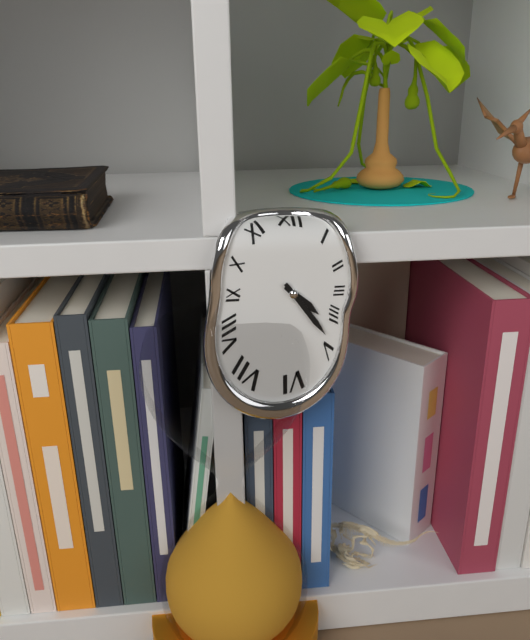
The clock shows 4.24
